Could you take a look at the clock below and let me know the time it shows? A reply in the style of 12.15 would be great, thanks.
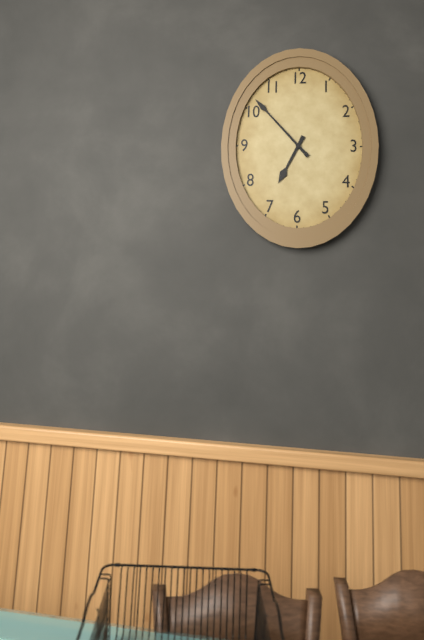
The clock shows 6.53
